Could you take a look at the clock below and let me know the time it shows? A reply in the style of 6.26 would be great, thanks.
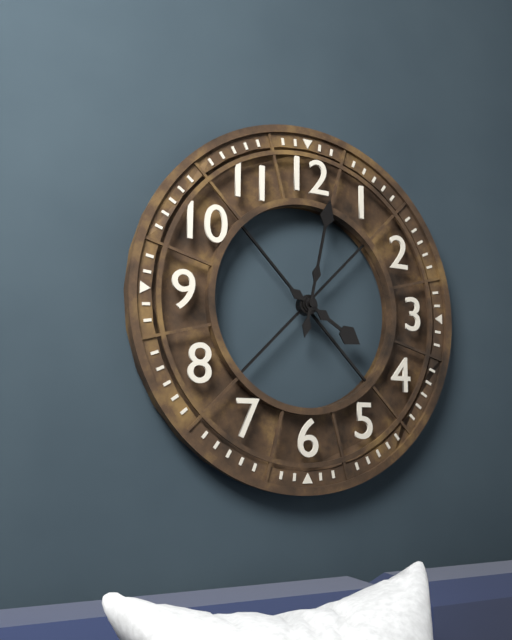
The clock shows 4.02
